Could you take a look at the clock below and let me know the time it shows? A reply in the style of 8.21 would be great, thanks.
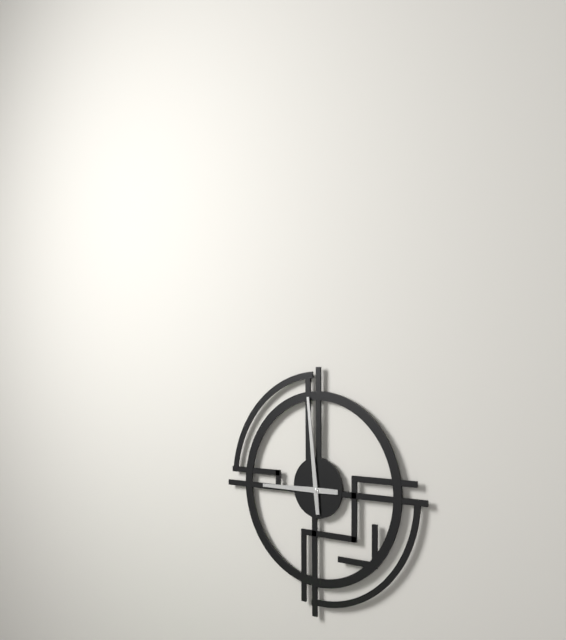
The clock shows 8.59
